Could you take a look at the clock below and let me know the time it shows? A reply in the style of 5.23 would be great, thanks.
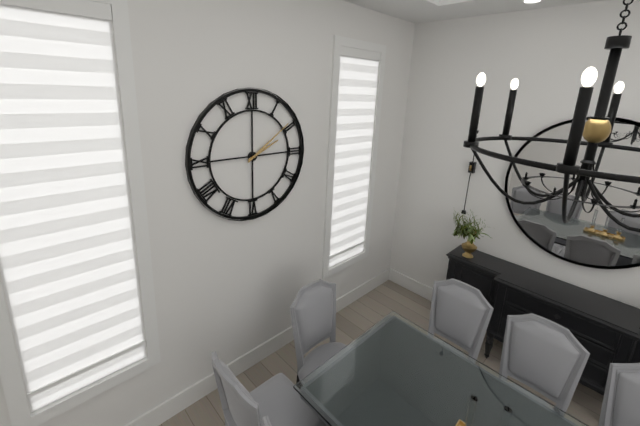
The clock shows 2.09
